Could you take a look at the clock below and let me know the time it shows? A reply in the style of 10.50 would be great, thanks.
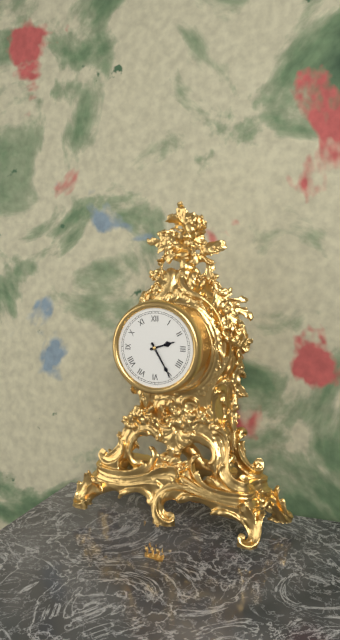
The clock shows 2.25
